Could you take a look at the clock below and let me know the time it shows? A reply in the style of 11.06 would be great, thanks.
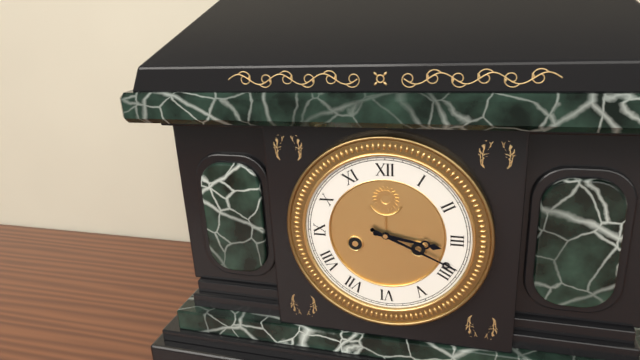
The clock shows 3.19
